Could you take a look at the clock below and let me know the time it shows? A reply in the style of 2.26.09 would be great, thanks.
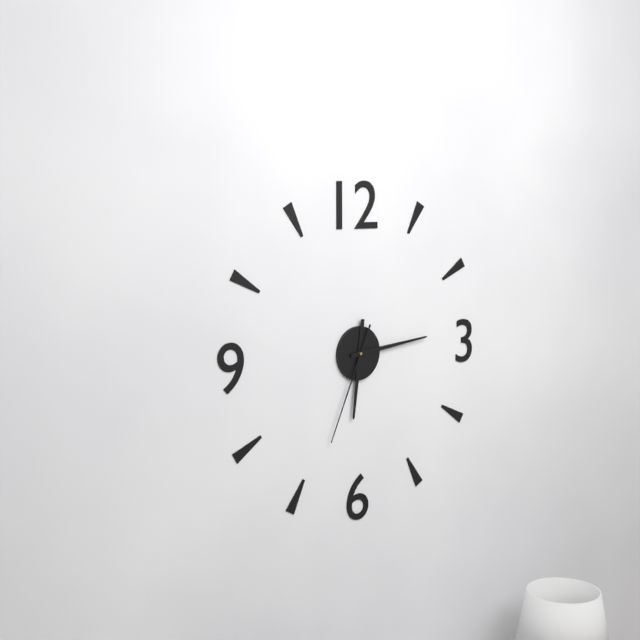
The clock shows 6.14.34
